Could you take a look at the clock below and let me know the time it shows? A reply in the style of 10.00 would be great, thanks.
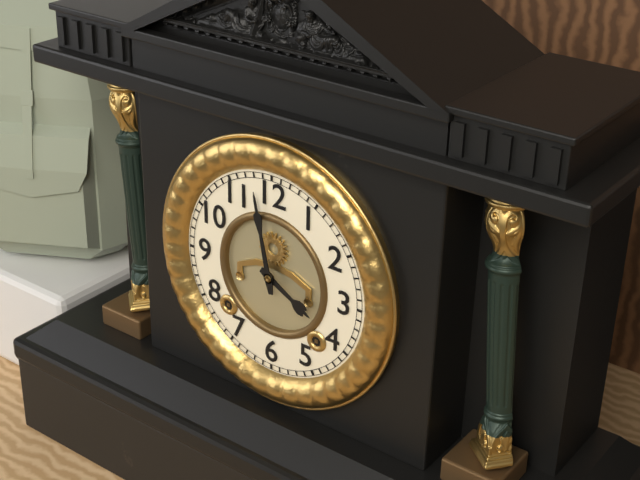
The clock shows 3.58
